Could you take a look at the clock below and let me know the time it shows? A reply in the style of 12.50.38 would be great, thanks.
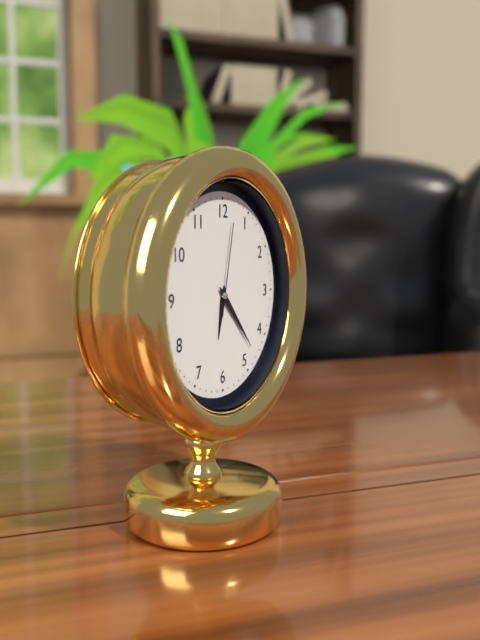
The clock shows 6.23.02
